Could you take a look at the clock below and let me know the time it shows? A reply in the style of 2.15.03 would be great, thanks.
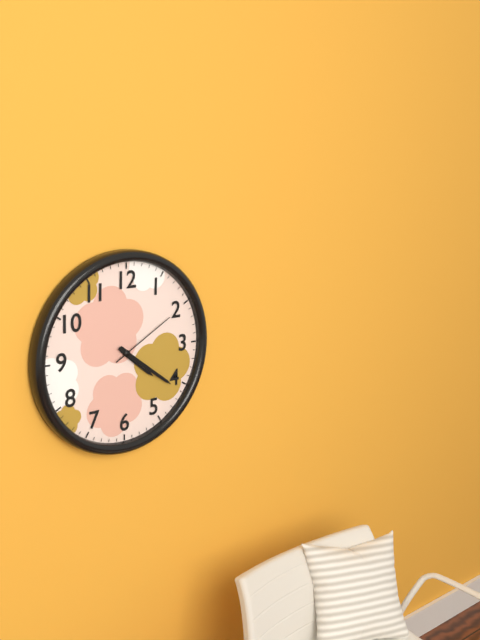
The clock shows 4.21.10
